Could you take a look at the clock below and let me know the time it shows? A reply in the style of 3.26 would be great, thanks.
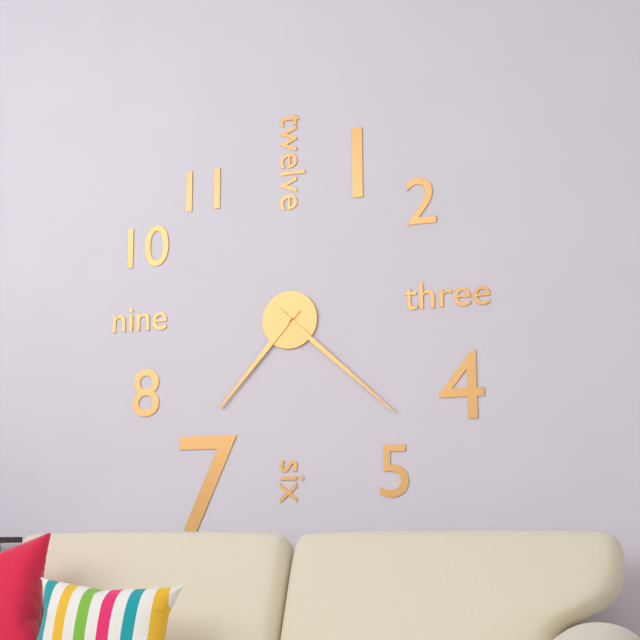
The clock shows 7.22
